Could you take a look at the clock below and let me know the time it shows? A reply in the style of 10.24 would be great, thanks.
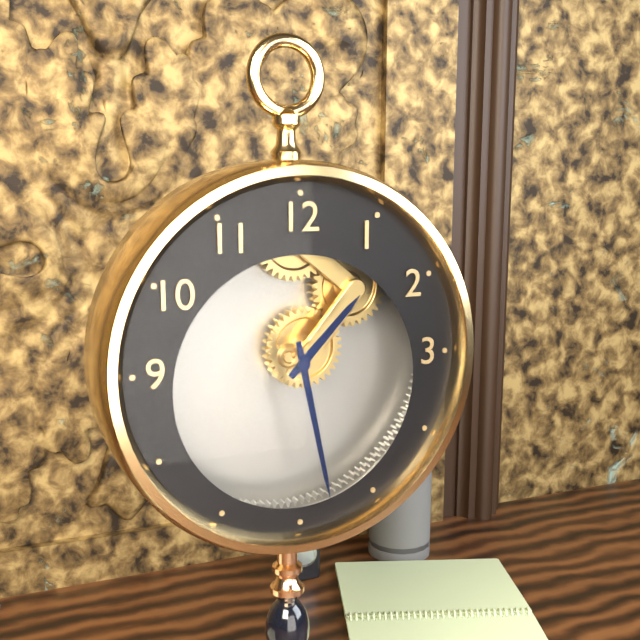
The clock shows 1.28
